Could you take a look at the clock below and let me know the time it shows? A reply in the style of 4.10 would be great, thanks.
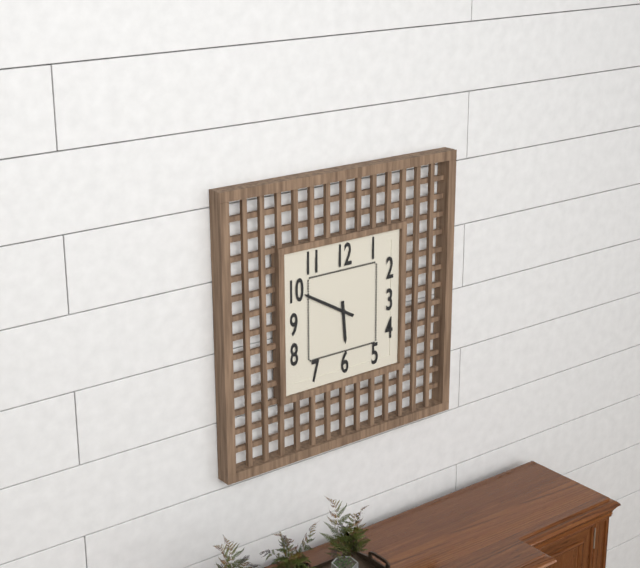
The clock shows 5.50
